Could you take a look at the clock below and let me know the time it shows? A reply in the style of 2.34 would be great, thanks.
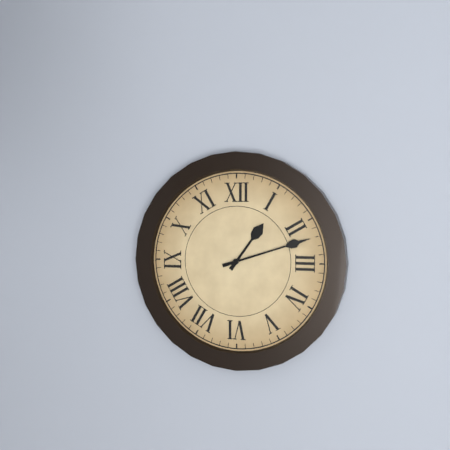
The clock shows 1.12
